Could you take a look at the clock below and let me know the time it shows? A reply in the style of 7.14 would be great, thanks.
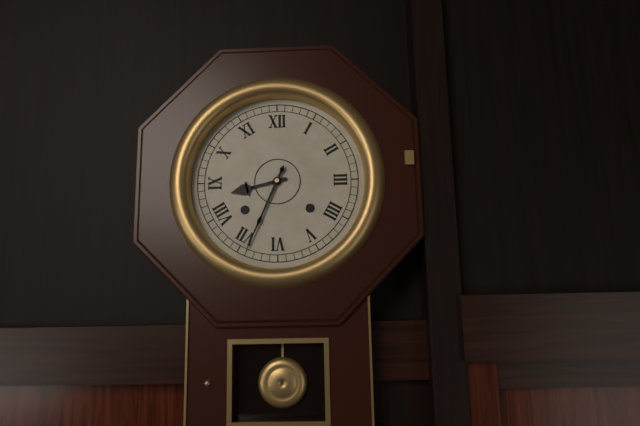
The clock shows 8.34
